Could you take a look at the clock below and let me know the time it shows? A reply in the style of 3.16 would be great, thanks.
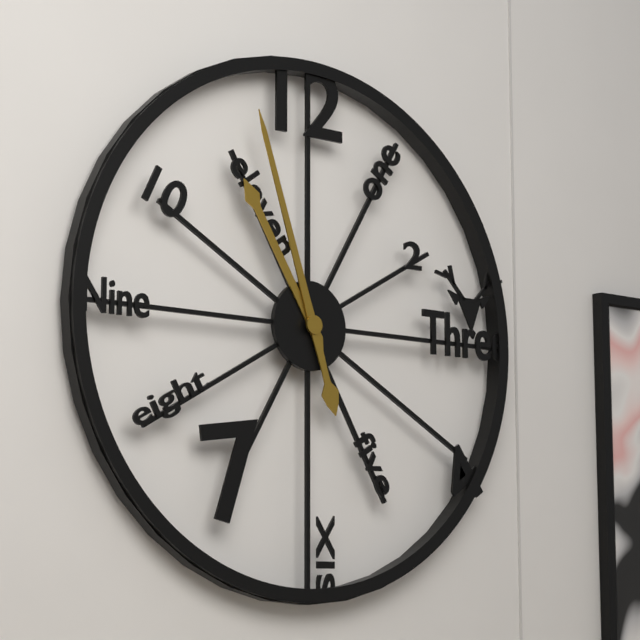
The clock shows 10.57
